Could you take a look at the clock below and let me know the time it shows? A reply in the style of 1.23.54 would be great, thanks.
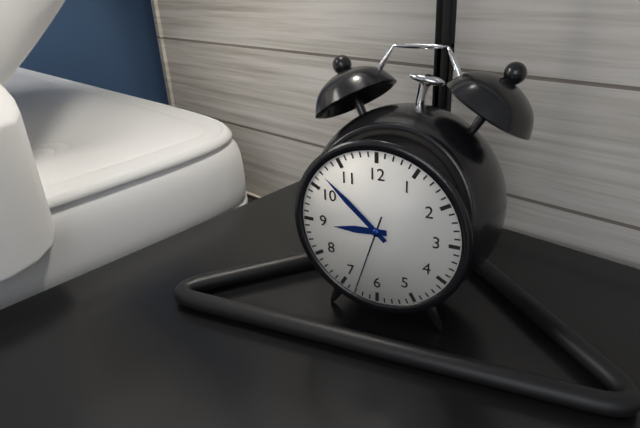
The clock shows 8.52.33
